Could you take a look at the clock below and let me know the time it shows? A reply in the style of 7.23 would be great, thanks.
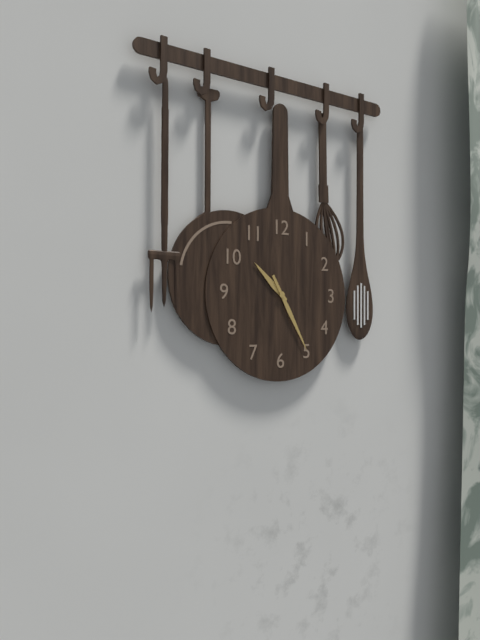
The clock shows 10.25
